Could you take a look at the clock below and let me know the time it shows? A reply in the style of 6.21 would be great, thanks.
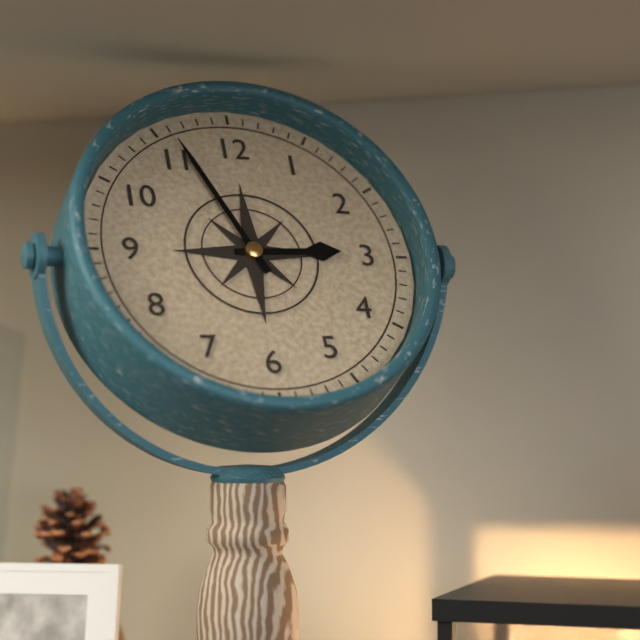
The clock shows 2.56
